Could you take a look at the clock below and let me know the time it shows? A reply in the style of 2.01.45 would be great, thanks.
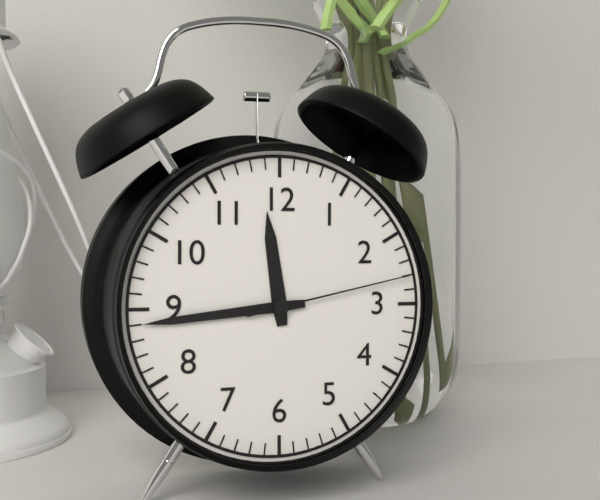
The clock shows 11.44.13
